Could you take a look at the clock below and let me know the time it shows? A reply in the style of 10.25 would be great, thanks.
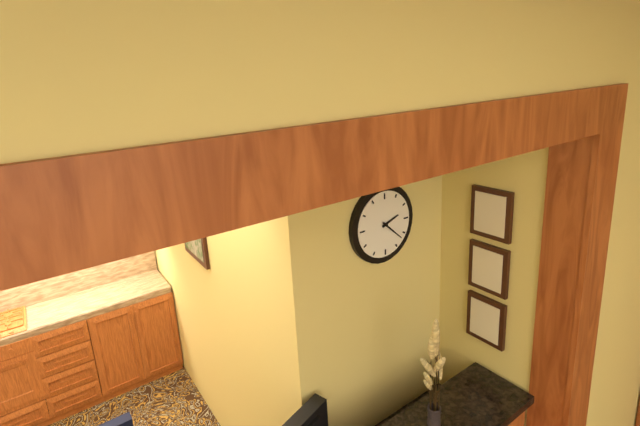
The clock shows 2.22
